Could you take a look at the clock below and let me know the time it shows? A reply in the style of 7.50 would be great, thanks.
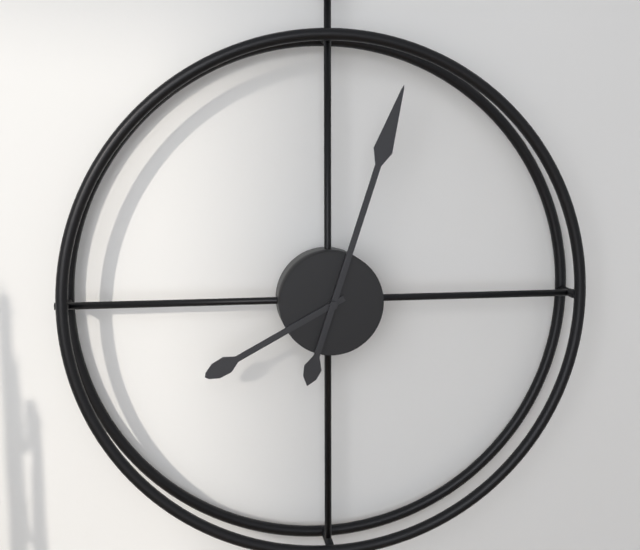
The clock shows 8.03
